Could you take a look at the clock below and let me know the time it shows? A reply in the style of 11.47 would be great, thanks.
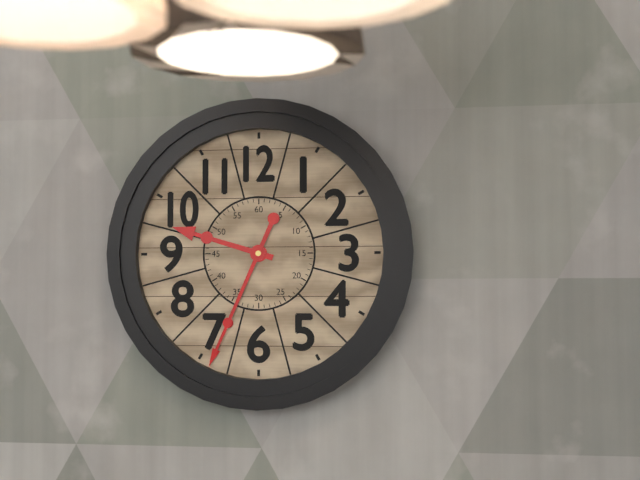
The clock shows 9.34
